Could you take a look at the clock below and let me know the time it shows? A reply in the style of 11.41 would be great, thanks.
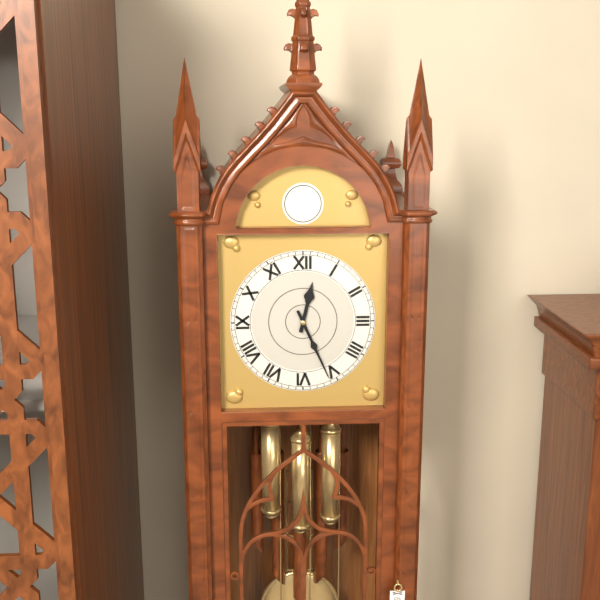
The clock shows 12.26
